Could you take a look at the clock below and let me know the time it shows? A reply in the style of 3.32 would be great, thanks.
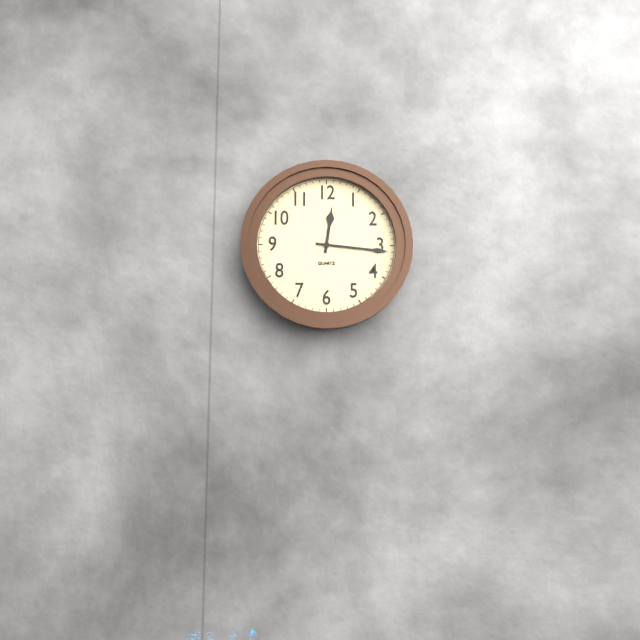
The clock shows 12.16
